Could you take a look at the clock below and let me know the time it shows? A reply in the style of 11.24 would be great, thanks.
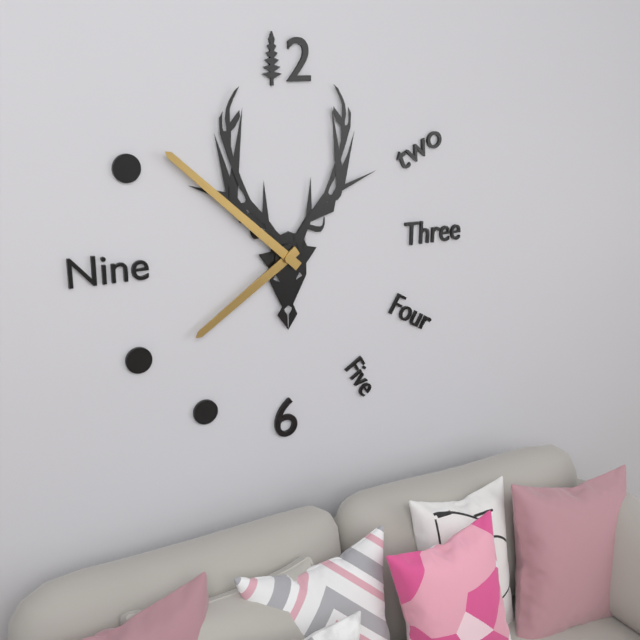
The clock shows 7.52
